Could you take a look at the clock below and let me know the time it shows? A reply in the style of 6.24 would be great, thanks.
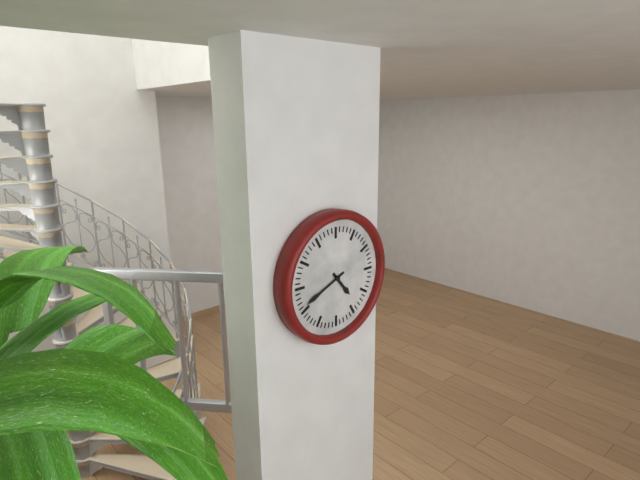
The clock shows 4.41
